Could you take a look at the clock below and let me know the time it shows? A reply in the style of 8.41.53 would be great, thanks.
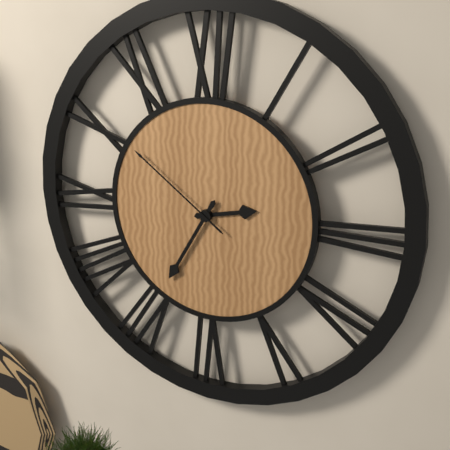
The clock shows 2.35.51
